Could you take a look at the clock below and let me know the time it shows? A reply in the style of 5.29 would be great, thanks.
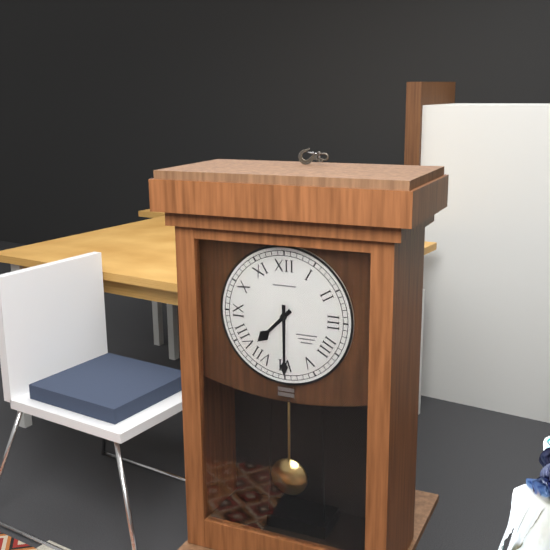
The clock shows 7.30
